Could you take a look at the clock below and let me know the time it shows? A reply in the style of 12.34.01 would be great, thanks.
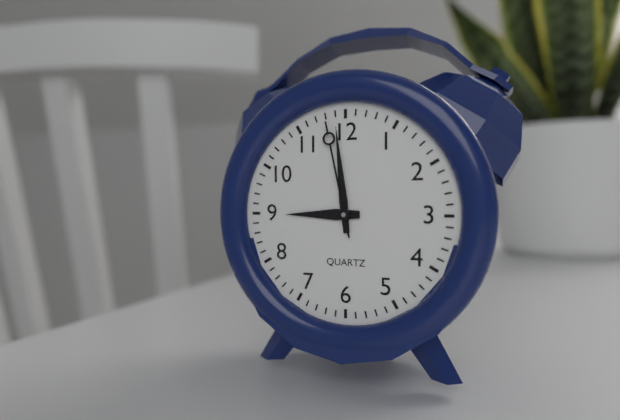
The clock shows 8.59.58
